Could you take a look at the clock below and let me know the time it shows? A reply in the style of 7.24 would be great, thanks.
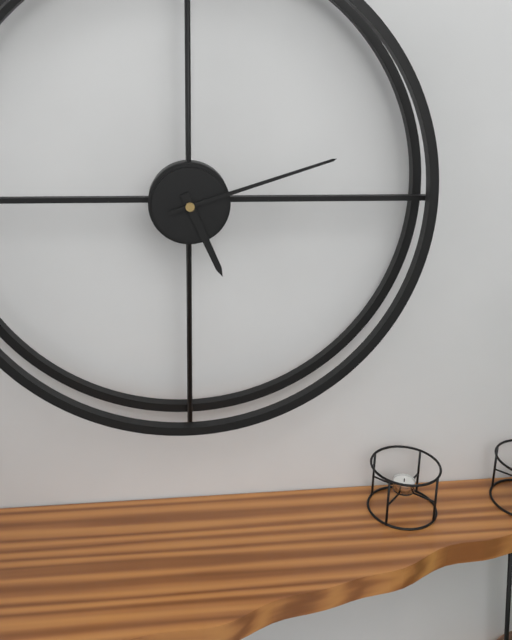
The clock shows 5.12
